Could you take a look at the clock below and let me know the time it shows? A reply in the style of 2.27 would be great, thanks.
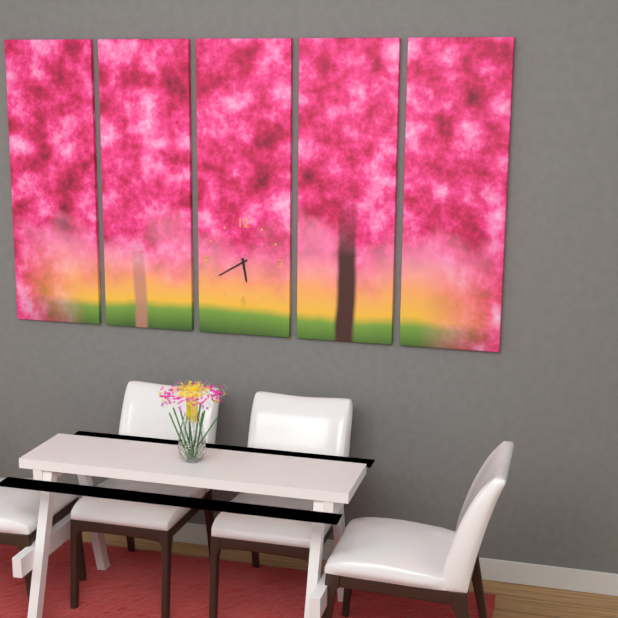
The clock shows 5.40
